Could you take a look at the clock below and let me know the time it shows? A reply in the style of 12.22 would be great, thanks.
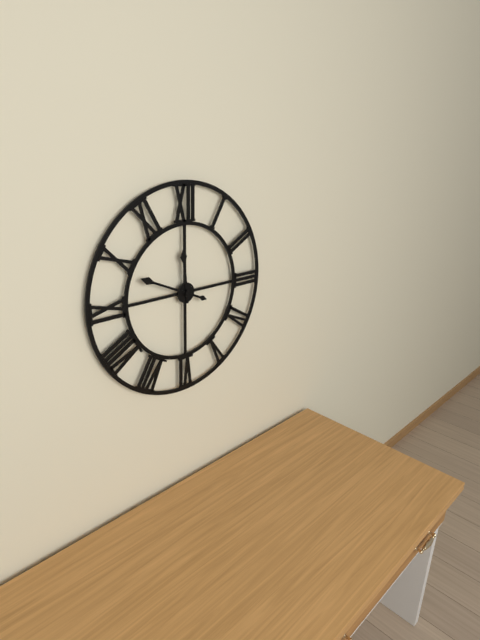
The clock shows 11.49
